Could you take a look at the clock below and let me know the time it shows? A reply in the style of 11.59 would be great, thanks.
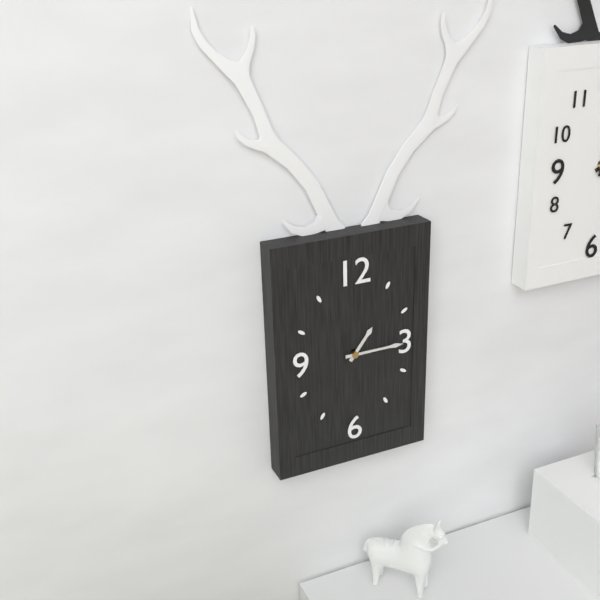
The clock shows 1.15
